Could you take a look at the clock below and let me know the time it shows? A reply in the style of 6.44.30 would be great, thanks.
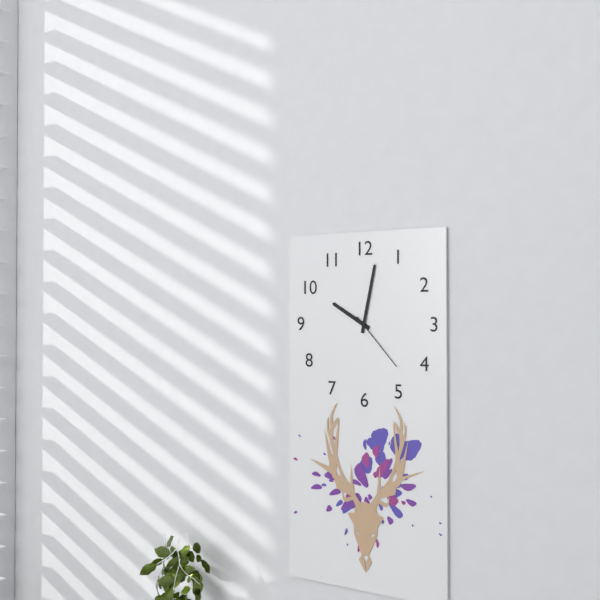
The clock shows 10.02.23
